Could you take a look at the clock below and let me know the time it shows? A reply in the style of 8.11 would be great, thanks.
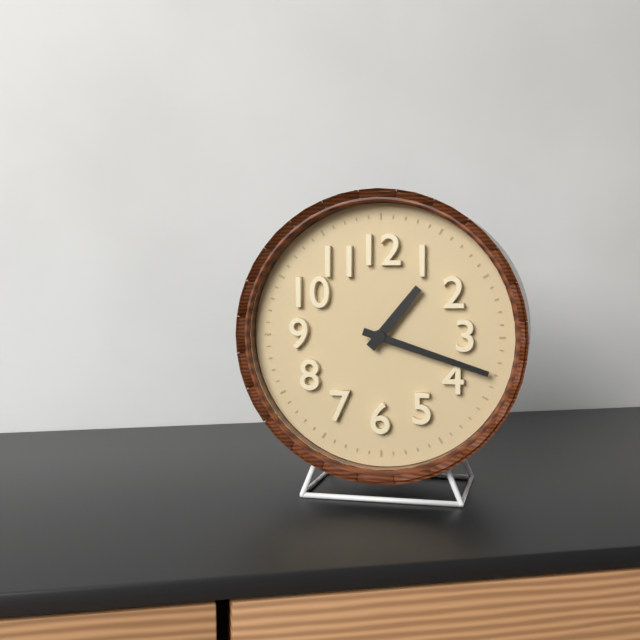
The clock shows 1.18
